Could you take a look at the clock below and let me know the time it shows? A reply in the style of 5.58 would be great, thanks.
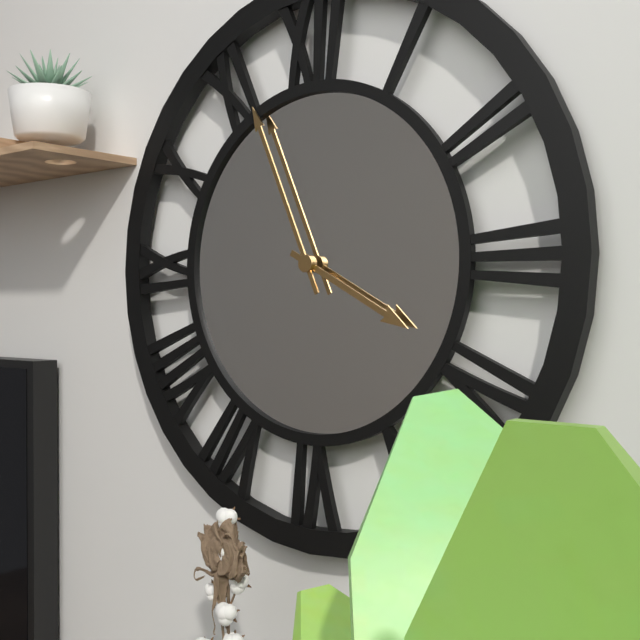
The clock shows 3.56
